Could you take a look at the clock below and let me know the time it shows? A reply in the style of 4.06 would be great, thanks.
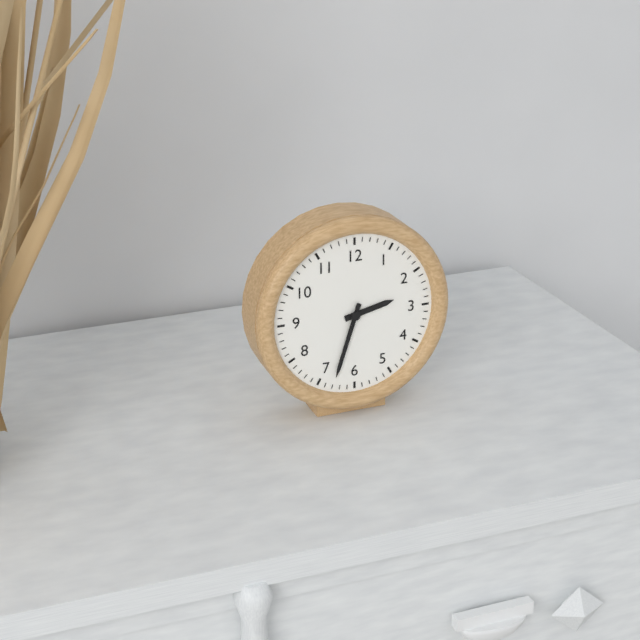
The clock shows 2.33
